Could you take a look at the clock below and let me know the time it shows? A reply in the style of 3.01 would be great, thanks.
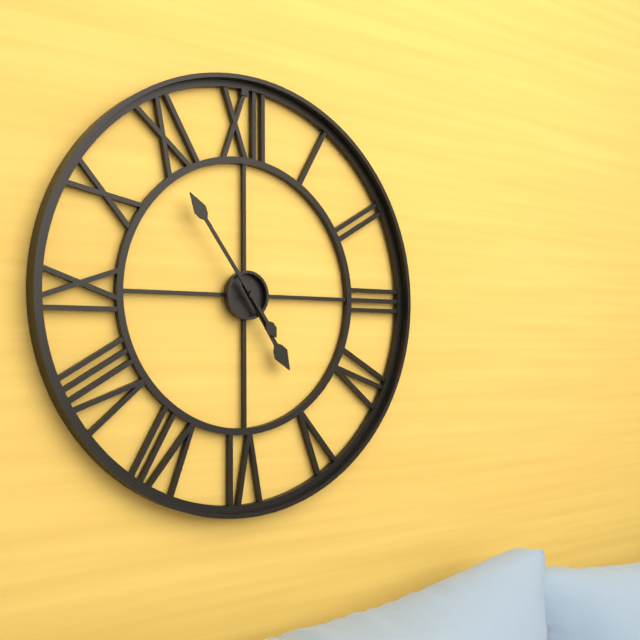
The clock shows 4.54
